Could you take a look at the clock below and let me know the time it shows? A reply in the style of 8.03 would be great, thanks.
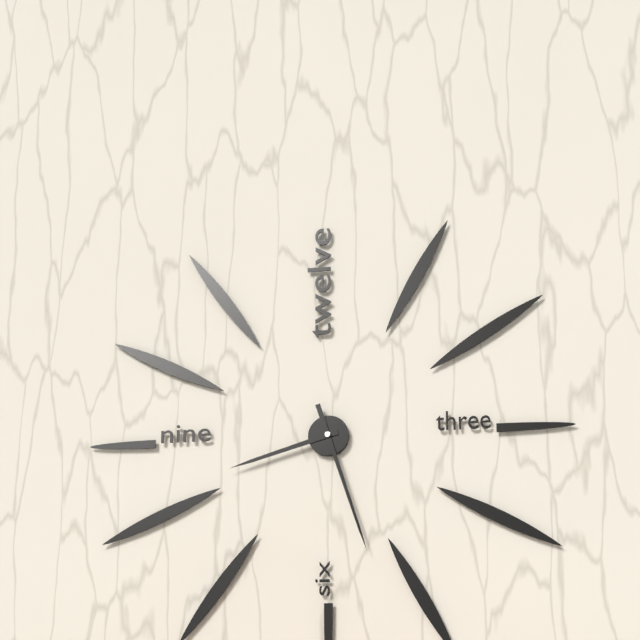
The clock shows 8.27
